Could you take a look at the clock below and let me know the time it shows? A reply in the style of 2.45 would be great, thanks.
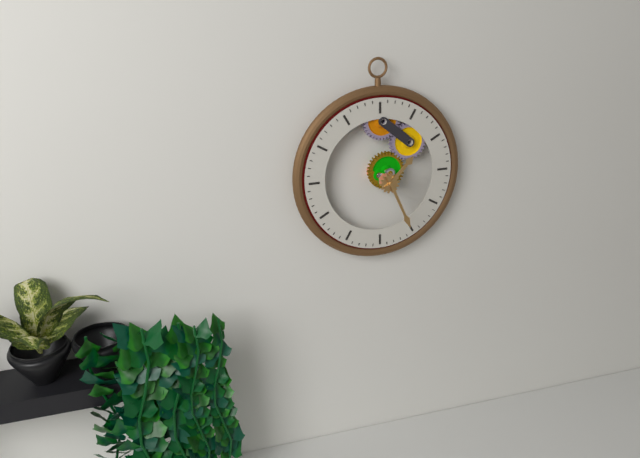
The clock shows 1.26
